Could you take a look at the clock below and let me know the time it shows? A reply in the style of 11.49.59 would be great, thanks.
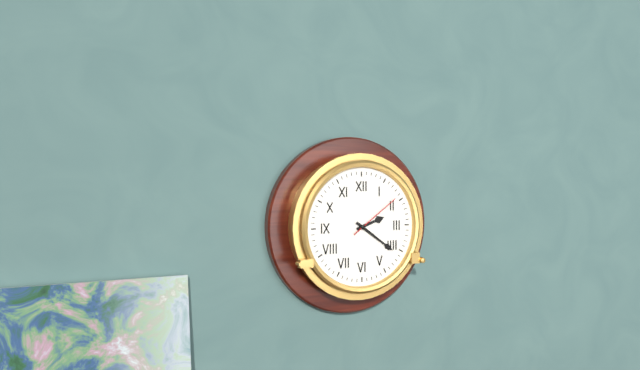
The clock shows 2.21.09
